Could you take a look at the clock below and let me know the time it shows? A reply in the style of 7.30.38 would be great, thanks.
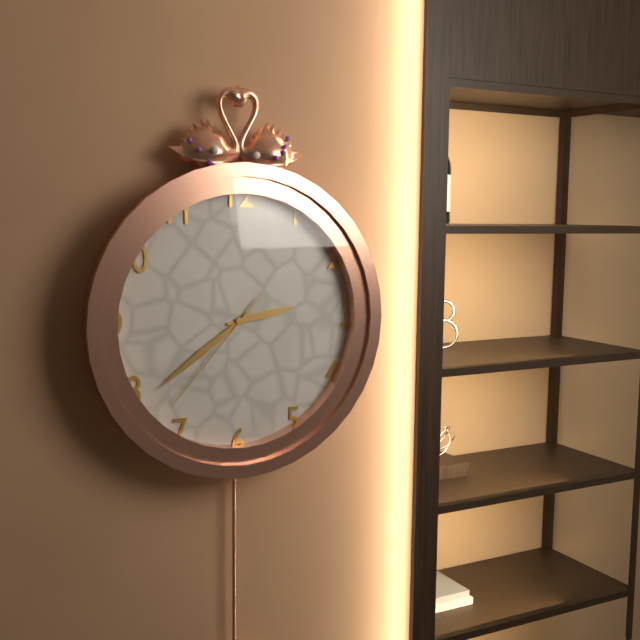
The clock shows 2.39.37
